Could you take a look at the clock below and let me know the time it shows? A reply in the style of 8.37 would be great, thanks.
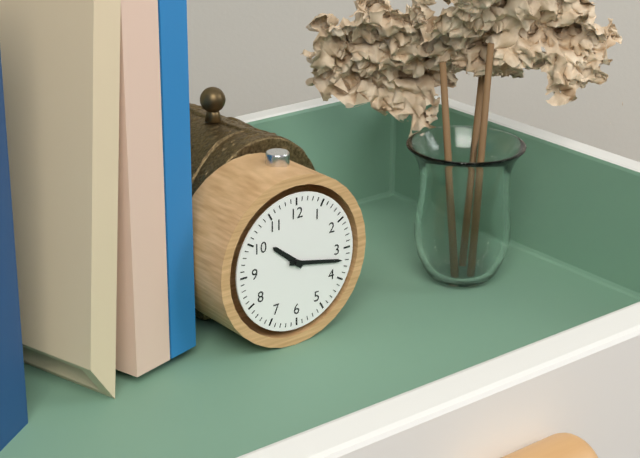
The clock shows 10.17
